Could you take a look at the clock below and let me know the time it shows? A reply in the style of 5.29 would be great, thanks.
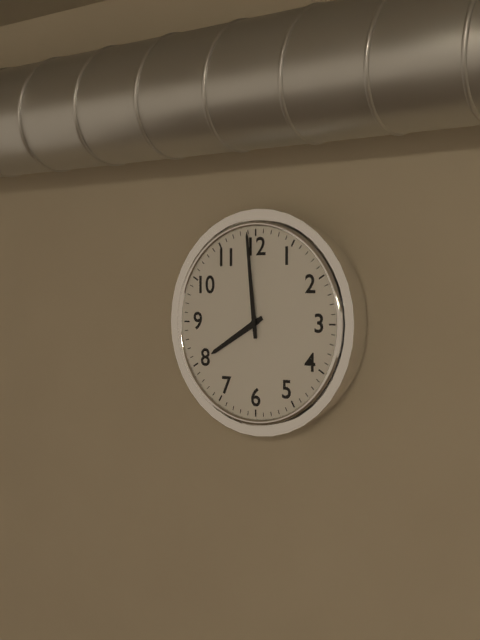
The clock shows 7.59
